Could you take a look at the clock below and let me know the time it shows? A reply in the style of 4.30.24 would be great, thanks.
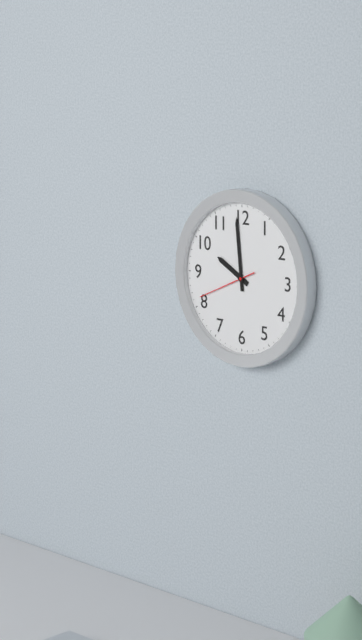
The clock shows 9.59.41
